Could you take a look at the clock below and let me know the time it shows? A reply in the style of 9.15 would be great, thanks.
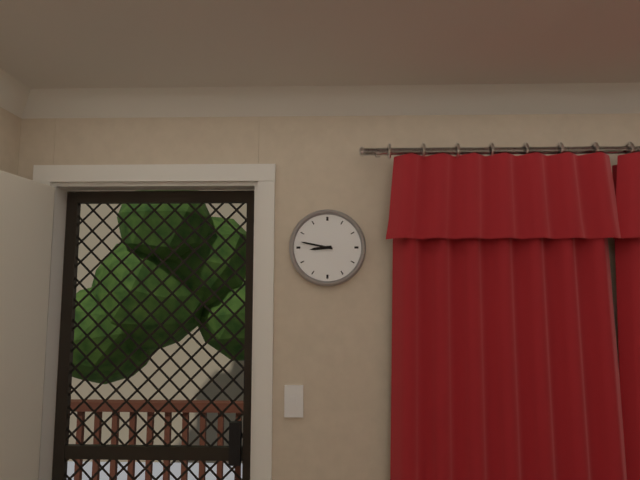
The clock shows 8.47
